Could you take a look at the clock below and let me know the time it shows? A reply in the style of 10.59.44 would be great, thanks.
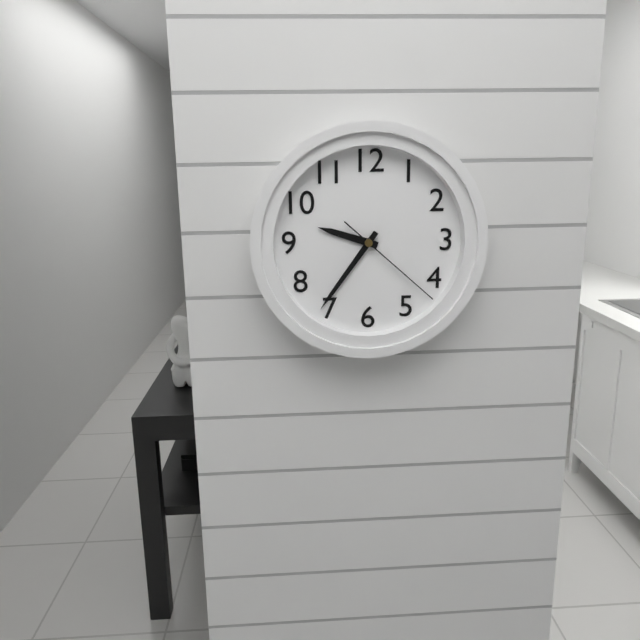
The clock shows 9.36.22
